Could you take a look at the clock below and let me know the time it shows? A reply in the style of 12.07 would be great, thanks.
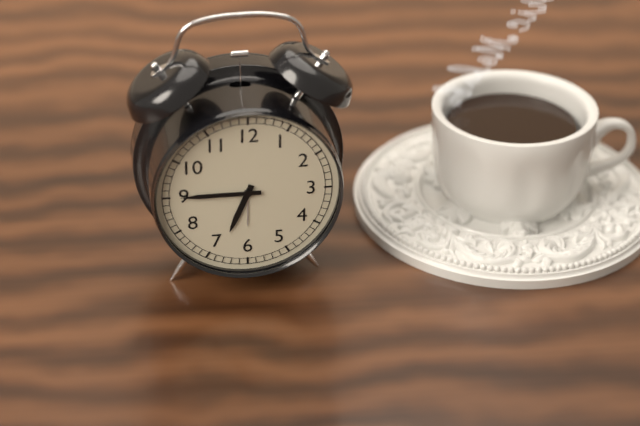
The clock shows 6.45
